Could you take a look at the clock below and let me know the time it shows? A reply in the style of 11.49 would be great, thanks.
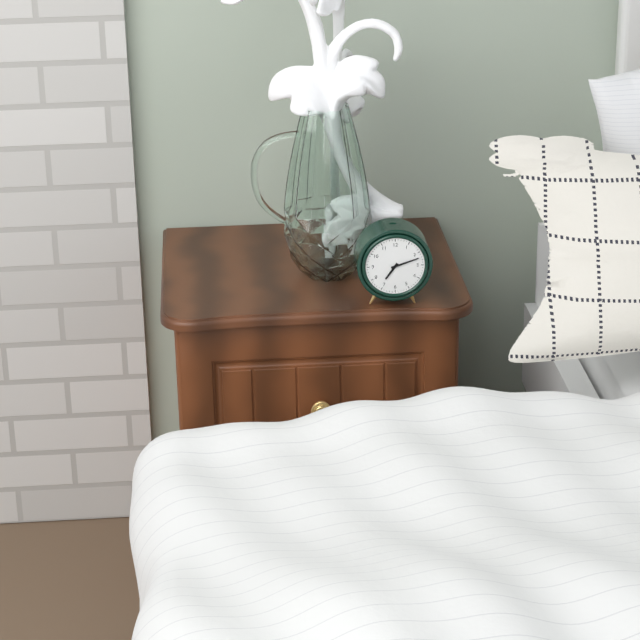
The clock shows 7.12
